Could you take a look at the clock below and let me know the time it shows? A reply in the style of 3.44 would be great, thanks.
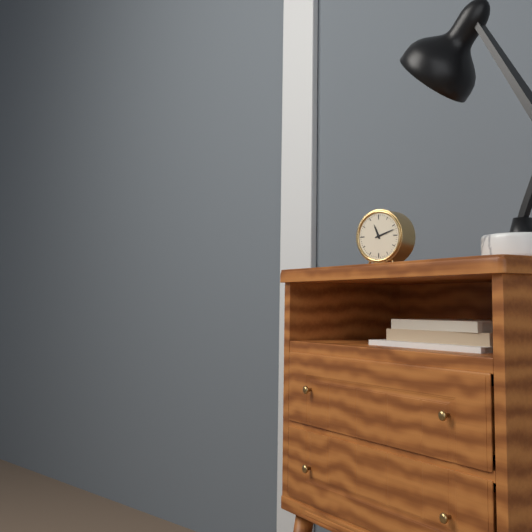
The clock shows 11.12
